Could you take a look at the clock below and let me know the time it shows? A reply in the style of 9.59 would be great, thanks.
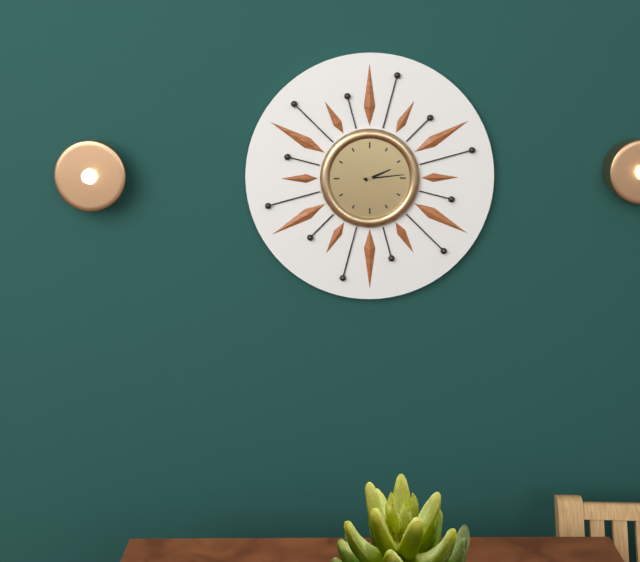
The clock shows 2.14
